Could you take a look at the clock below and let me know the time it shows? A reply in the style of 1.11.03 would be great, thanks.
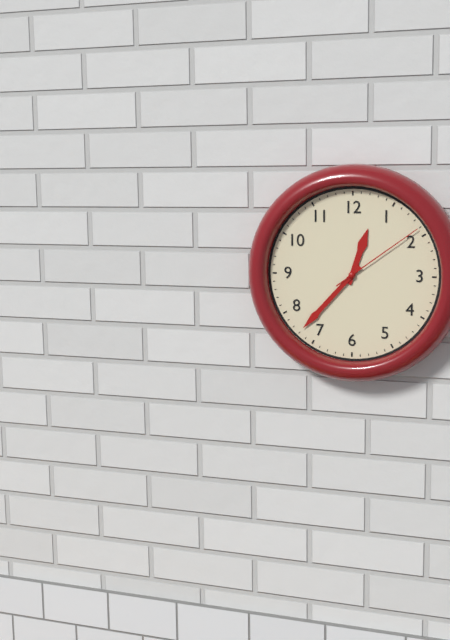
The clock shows 12.37.09
